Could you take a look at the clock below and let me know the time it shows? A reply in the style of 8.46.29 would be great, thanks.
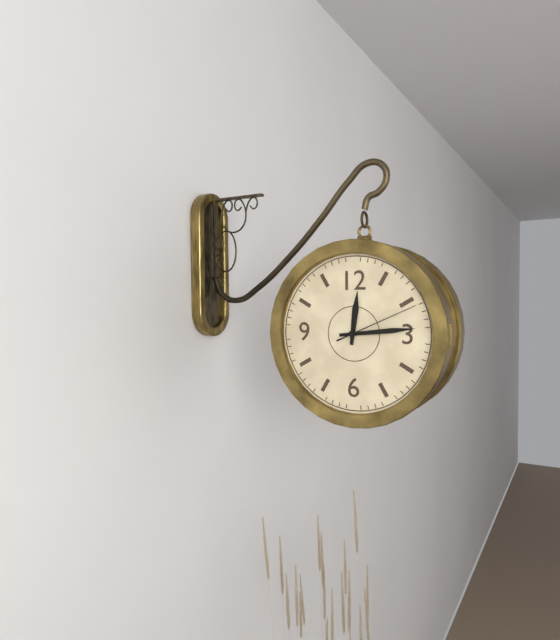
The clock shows 12.14.11
